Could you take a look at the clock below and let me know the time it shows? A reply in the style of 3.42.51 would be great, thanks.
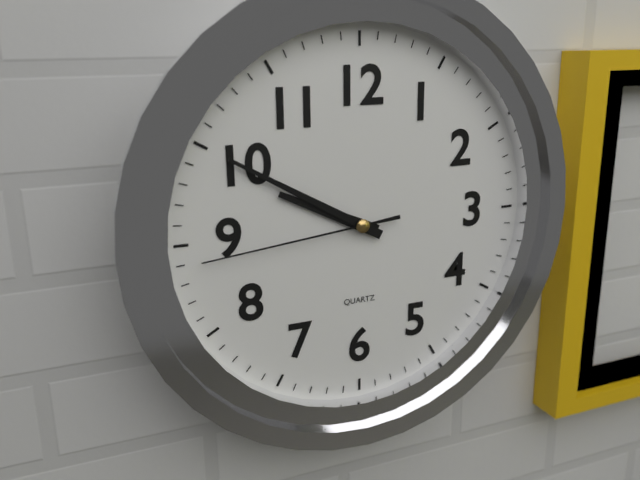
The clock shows 9.50.44
